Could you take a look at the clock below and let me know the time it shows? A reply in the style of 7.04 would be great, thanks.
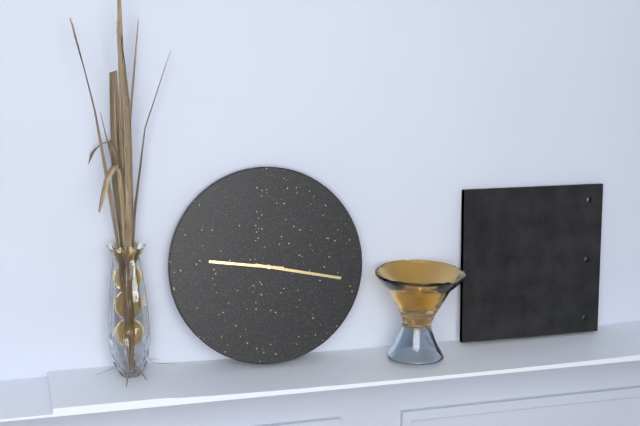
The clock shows 9.17
